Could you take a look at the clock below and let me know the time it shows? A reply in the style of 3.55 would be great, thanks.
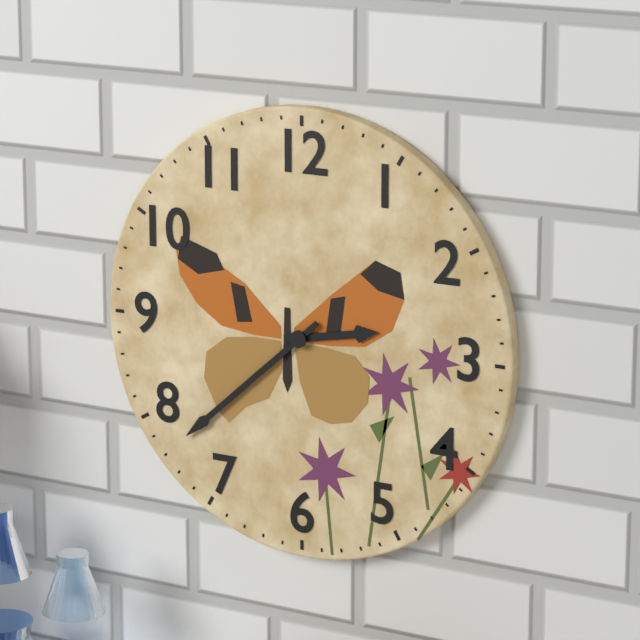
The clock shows 2.38
